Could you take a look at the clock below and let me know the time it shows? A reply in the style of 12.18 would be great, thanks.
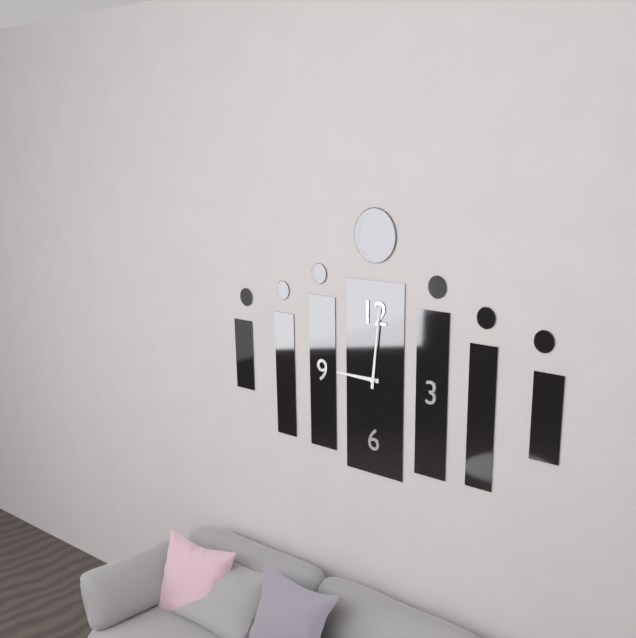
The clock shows 9.01
